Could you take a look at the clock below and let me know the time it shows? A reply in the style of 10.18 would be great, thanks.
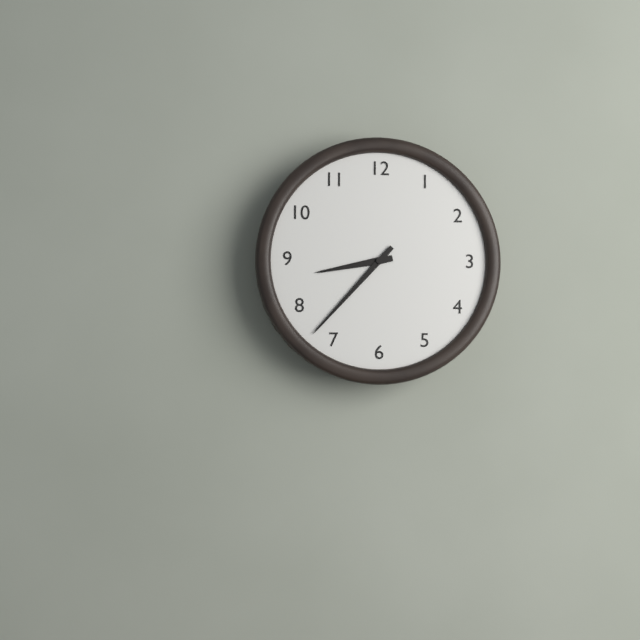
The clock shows 8.37
